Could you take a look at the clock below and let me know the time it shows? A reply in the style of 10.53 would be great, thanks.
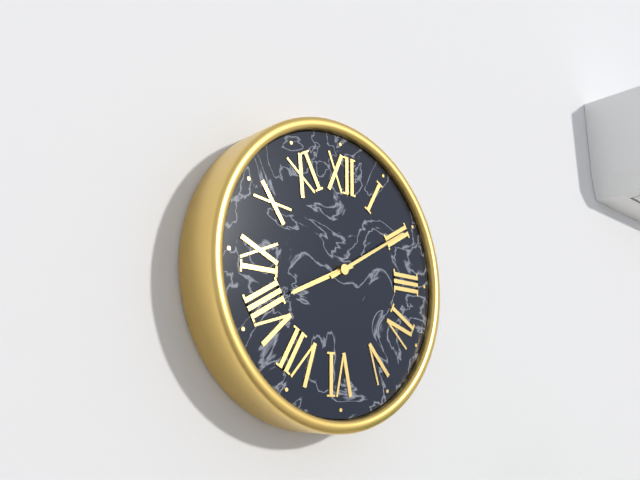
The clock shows 8.10
